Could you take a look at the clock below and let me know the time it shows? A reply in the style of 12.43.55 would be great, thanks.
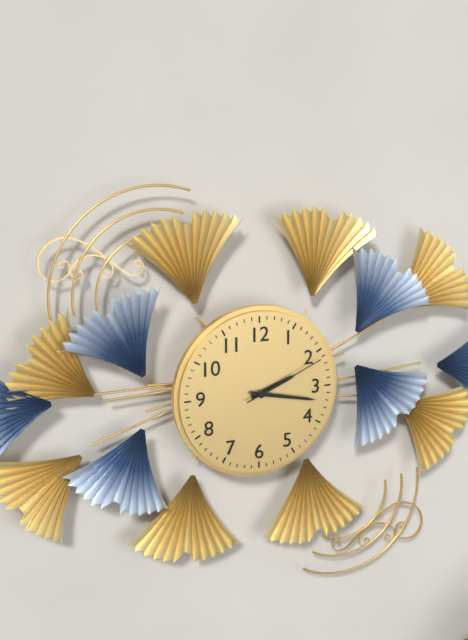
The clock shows 2.17.11
